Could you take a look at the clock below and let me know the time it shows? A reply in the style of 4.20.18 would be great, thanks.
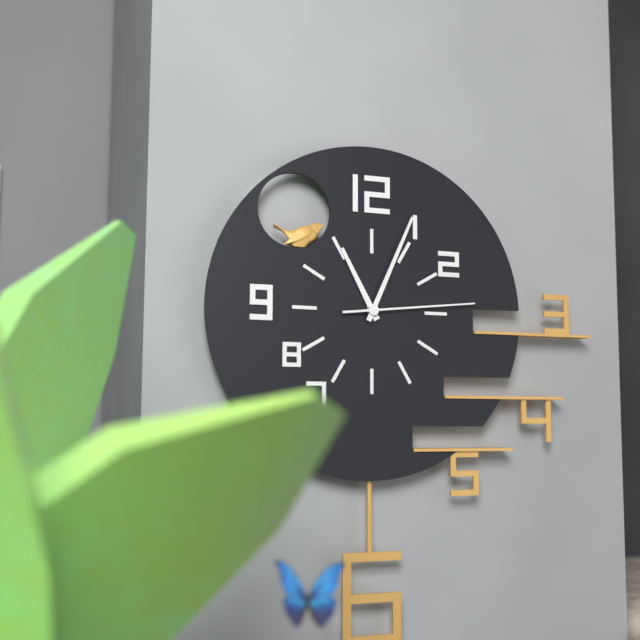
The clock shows 11.04.14
